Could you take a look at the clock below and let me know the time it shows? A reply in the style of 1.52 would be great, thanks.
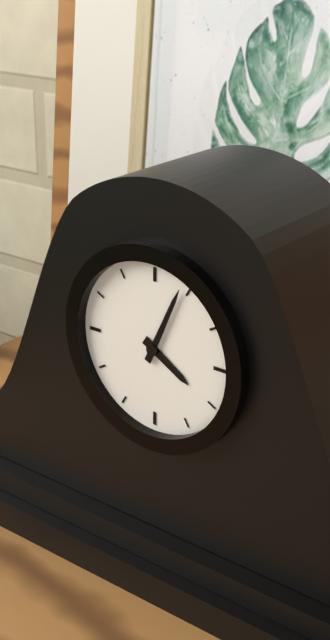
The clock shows 4.04
